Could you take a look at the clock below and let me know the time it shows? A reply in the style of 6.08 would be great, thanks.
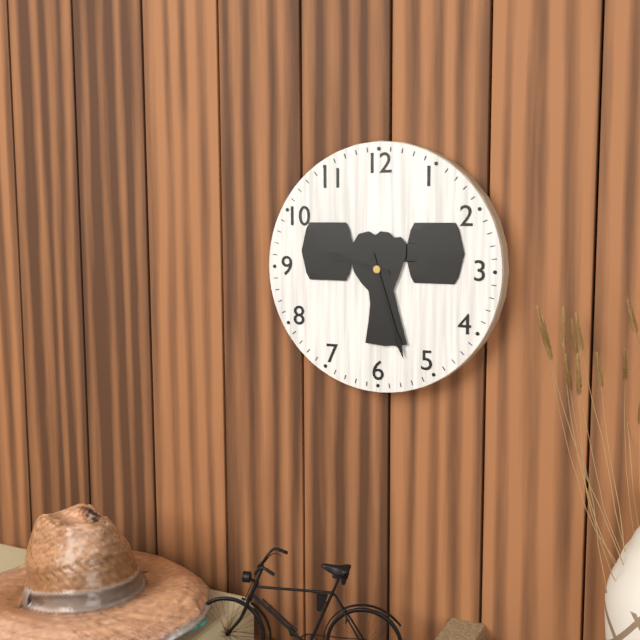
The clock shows 9.27
